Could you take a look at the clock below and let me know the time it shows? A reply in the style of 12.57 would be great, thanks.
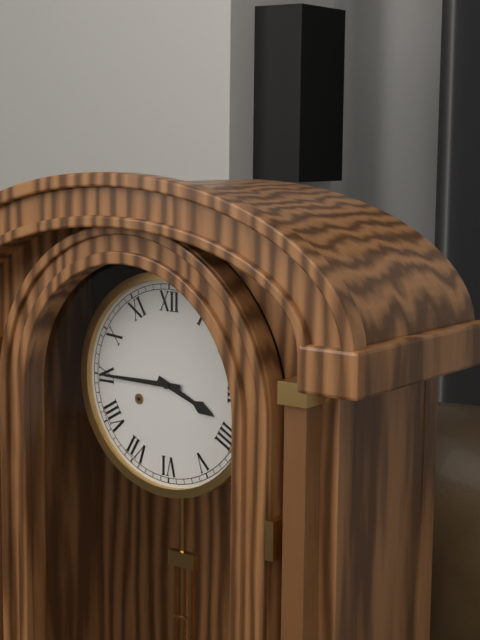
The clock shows 3.45
